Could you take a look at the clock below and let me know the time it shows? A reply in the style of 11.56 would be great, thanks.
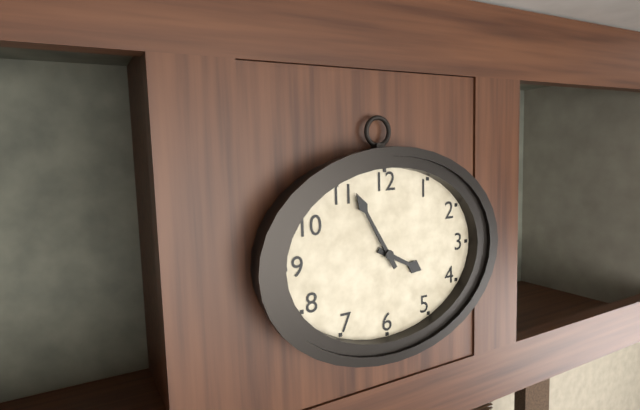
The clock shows 3.55
